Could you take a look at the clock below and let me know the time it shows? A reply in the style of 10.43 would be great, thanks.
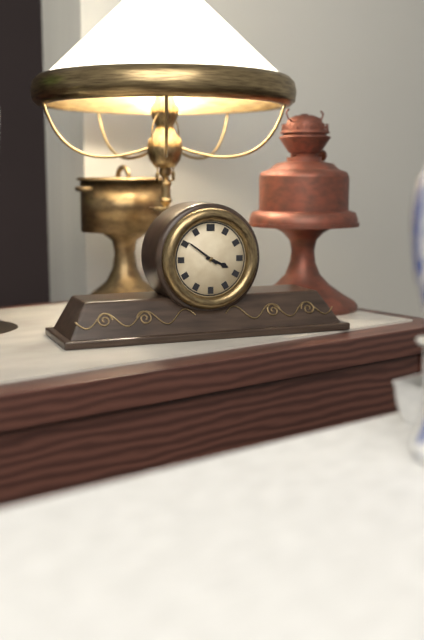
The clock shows 3.51
